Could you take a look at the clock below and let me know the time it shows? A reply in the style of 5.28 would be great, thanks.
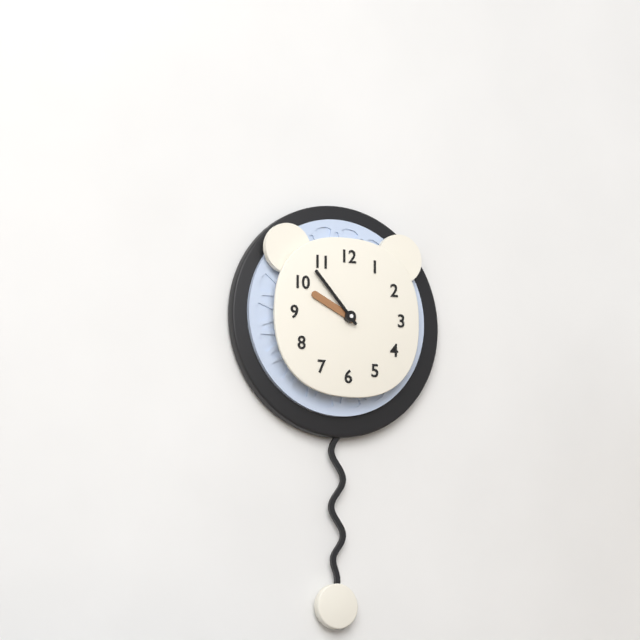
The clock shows 9.53
